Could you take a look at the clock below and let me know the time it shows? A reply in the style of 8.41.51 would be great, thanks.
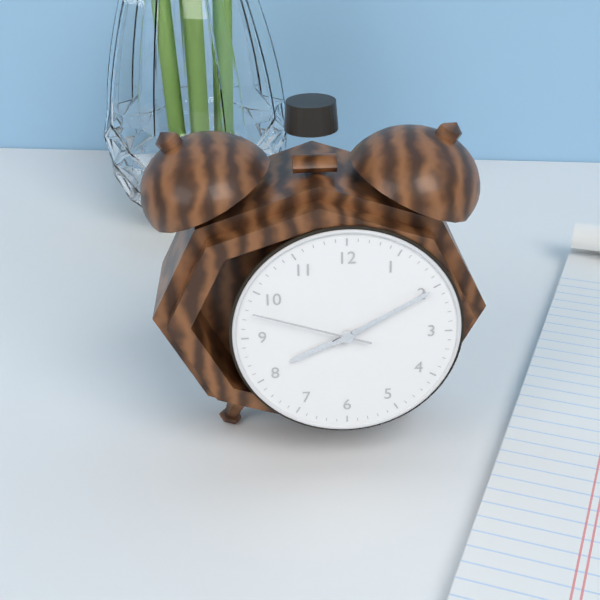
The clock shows 8.10.48
